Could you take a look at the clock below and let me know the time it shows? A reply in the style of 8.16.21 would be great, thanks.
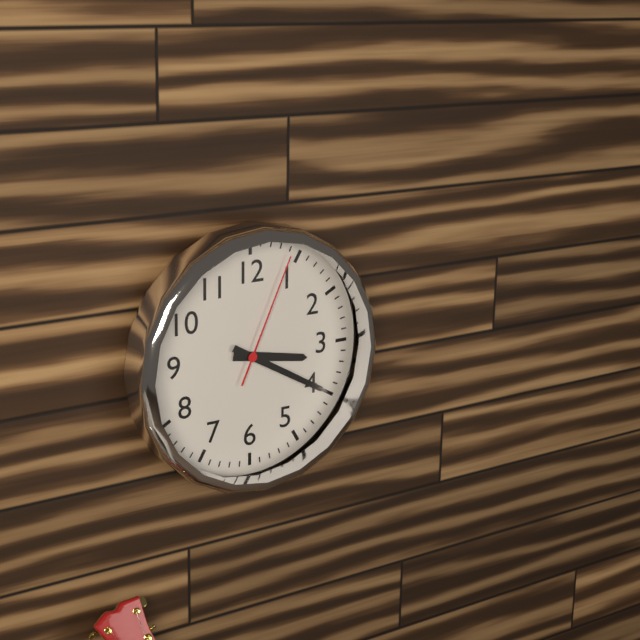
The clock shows 3.20.04
